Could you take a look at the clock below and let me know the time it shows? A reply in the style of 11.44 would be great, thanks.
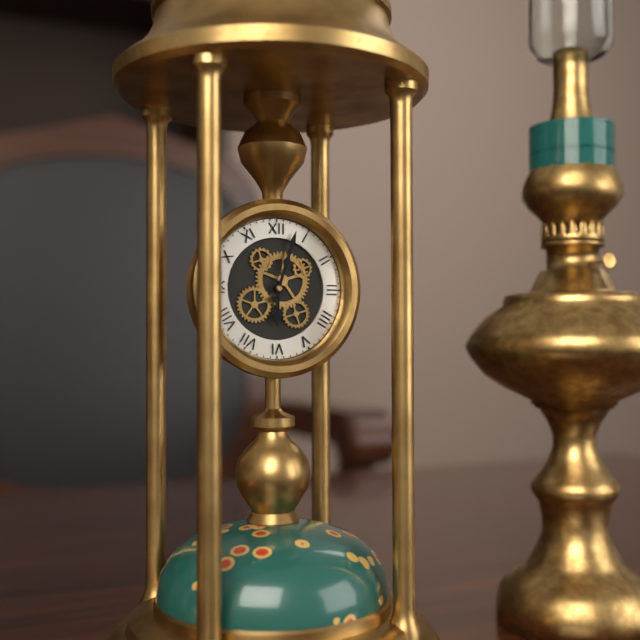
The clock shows 6.03
